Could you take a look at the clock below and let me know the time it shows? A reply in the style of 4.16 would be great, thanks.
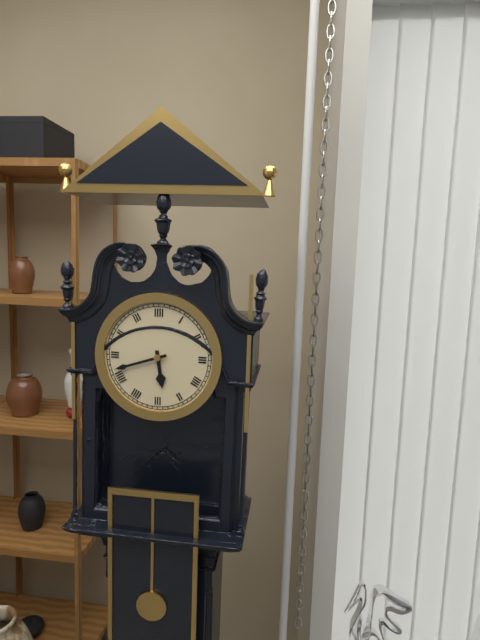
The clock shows 5.42
